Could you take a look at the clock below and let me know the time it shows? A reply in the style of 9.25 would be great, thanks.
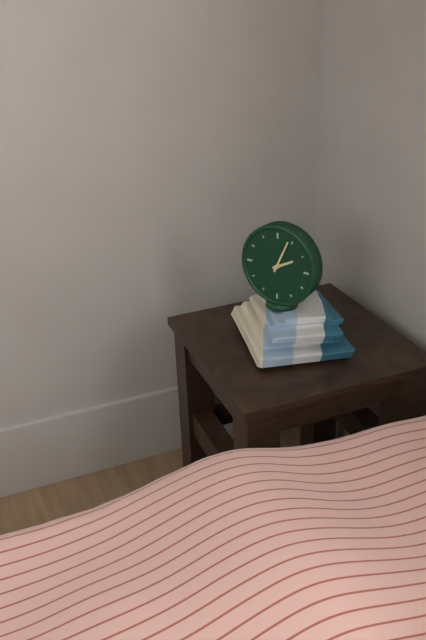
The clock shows 2.04
